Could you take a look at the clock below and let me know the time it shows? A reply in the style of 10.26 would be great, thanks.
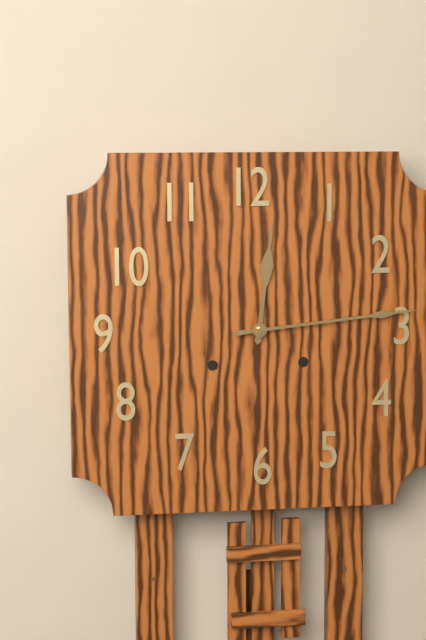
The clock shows 12.14
